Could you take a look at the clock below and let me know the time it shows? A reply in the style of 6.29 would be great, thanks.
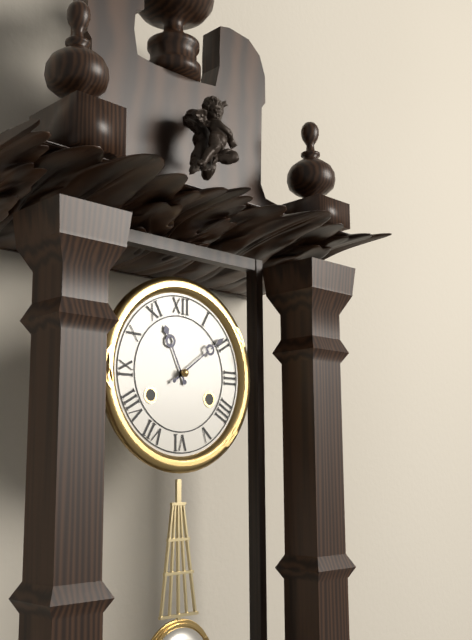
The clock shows 11.09
